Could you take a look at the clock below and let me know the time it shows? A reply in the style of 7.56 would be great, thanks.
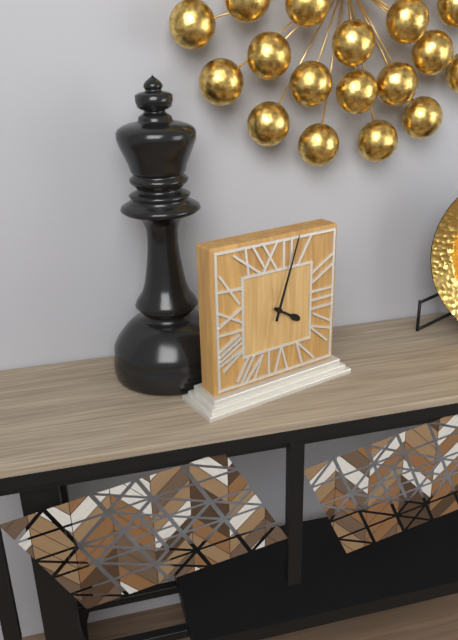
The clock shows 4.03
